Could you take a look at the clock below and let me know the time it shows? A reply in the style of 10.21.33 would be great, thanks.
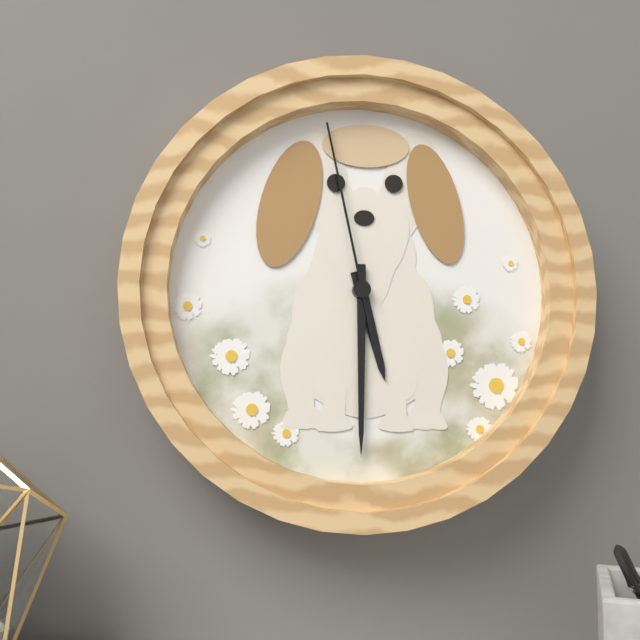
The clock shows 5.30.58
